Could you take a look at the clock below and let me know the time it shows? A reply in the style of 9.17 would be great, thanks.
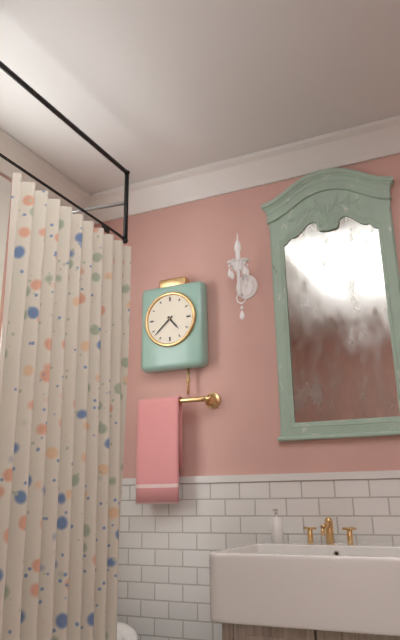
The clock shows 4.38
